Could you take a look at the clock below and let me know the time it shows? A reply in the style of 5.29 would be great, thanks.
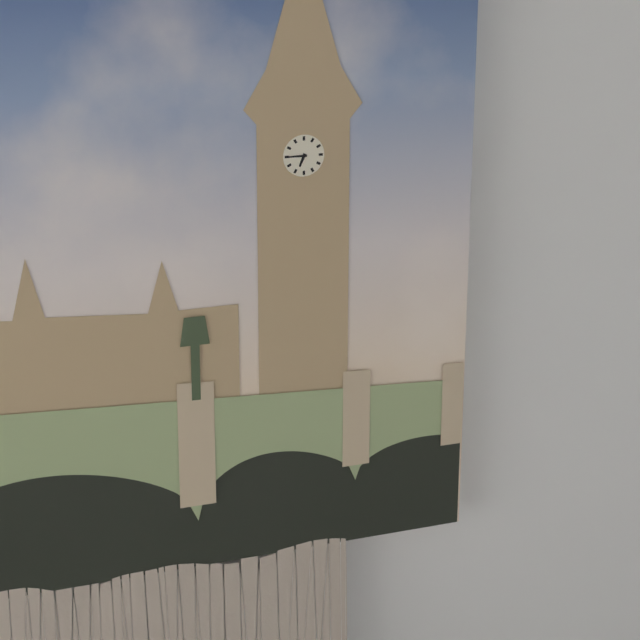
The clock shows 6.45
